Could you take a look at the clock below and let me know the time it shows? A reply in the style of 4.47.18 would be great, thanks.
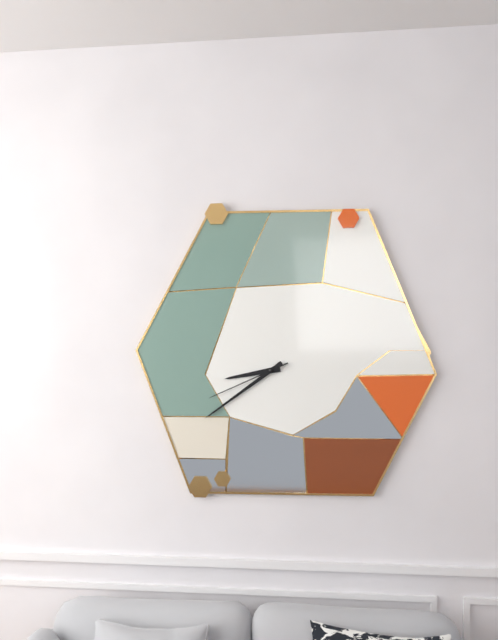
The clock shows 8.39.41
